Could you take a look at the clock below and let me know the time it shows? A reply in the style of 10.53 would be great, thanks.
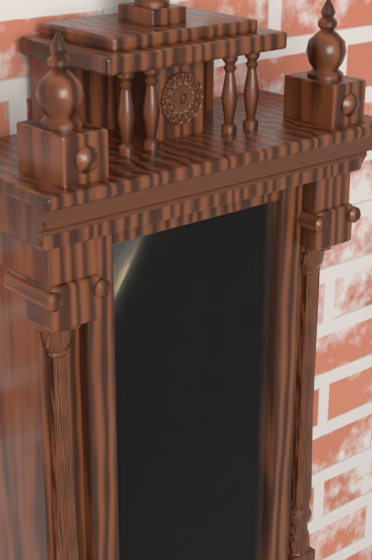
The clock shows 9.28
